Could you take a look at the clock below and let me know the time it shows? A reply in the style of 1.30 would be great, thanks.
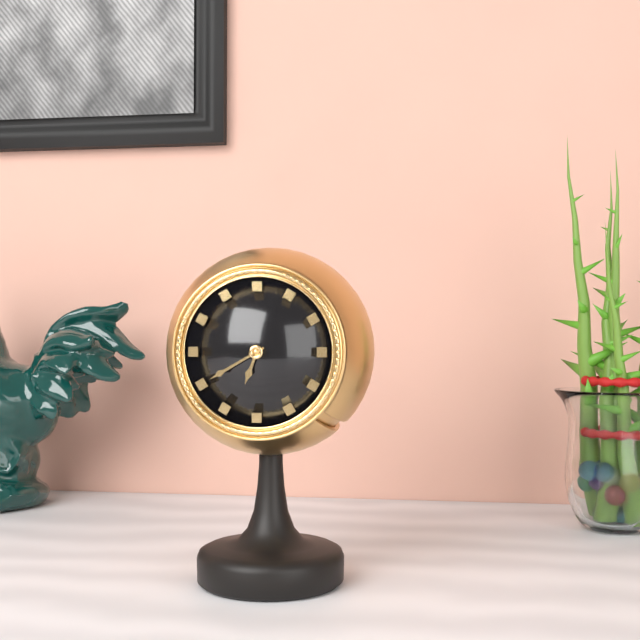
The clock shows 6.40
